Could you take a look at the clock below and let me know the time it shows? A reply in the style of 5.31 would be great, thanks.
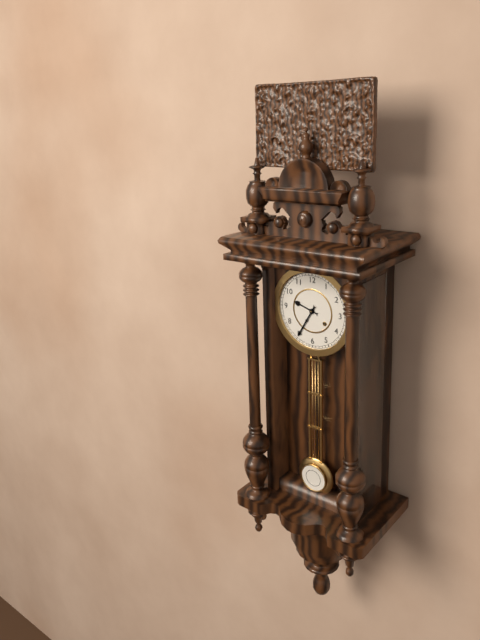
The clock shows 9.35
